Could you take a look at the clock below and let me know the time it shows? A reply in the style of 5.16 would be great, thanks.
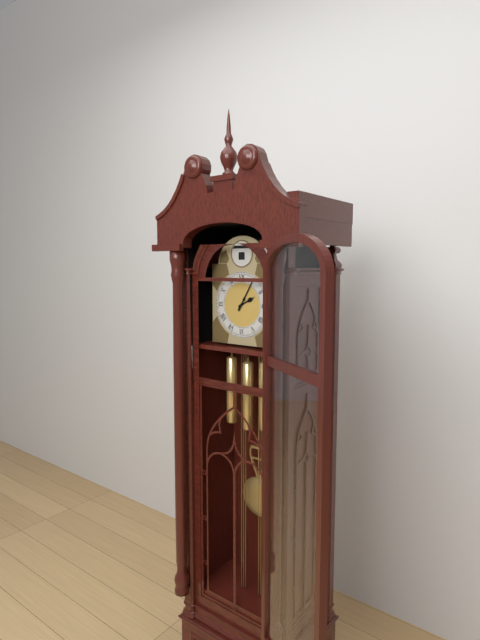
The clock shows 2.05
